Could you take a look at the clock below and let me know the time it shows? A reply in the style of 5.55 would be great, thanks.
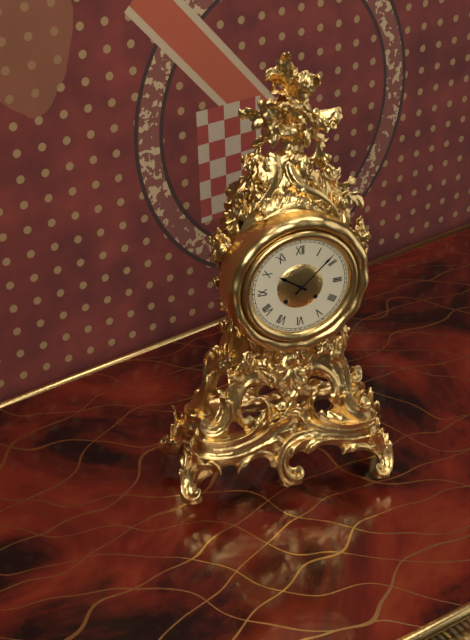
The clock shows 10.08
